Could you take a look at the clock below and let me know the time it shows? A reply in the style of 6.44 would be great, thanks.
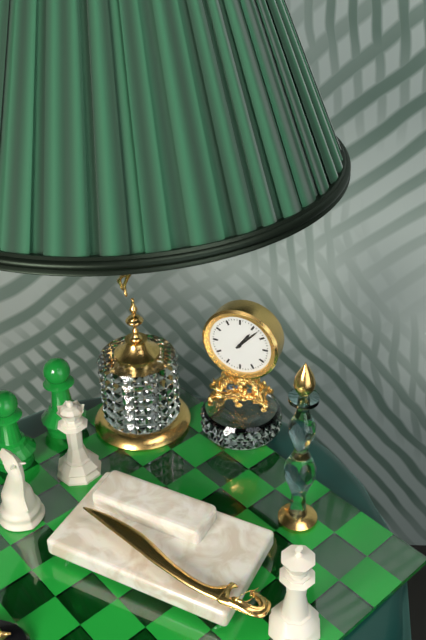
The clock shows 1.07
